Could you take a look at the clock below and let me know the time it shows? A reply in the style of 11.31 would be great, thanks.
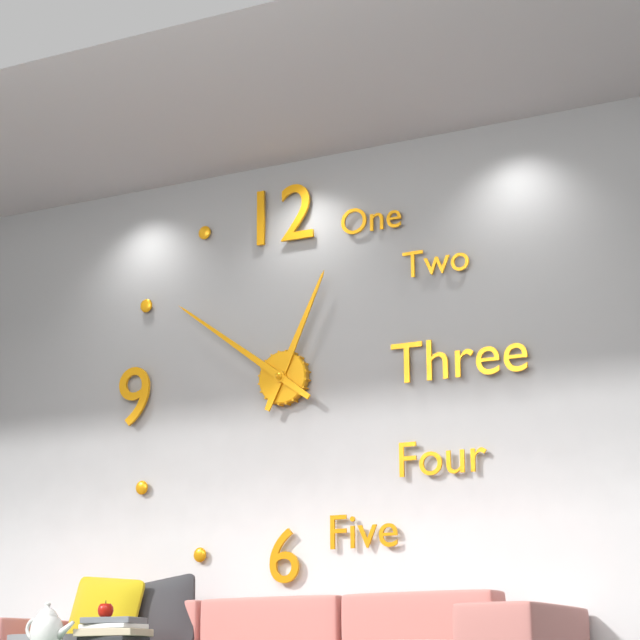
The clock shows 12.51
